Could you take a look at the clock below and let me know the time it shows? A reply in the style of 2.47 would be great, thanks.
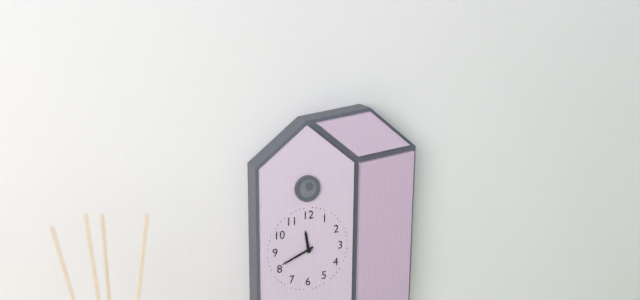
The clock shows 11.41
